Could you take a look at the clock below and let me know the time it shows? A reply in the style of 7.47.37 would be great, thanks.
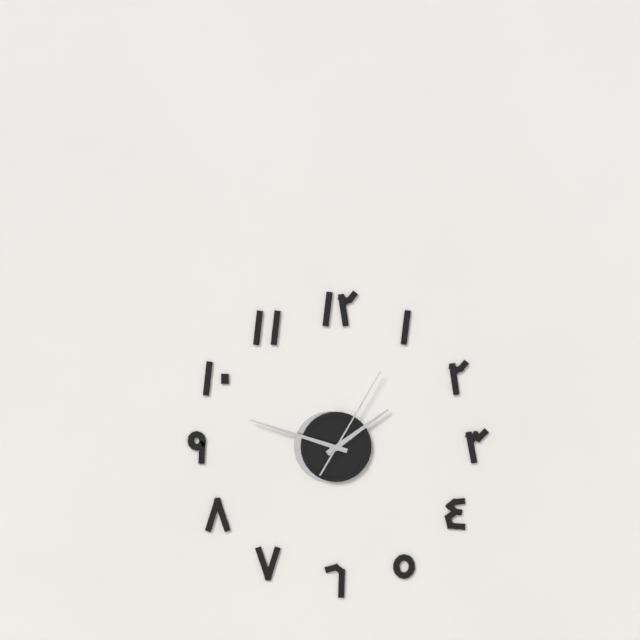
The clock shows 1.48.05
